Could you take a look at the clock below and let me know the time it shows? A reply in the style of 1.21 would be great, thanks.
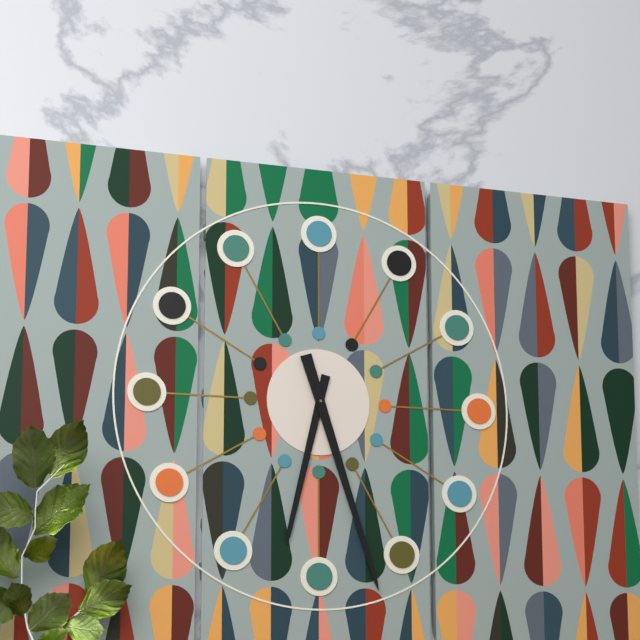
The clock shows 6.27
